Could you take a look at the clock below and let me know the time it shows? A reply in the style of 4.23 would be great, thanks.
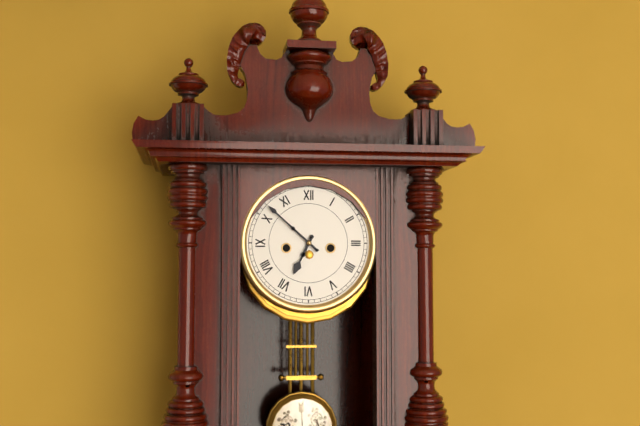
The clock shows 6.52
